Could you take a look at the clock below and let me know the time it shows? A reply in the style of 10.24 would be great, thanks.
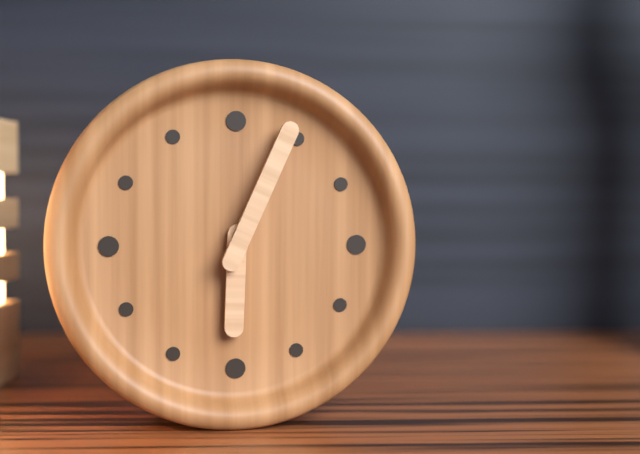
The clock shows 6.04
